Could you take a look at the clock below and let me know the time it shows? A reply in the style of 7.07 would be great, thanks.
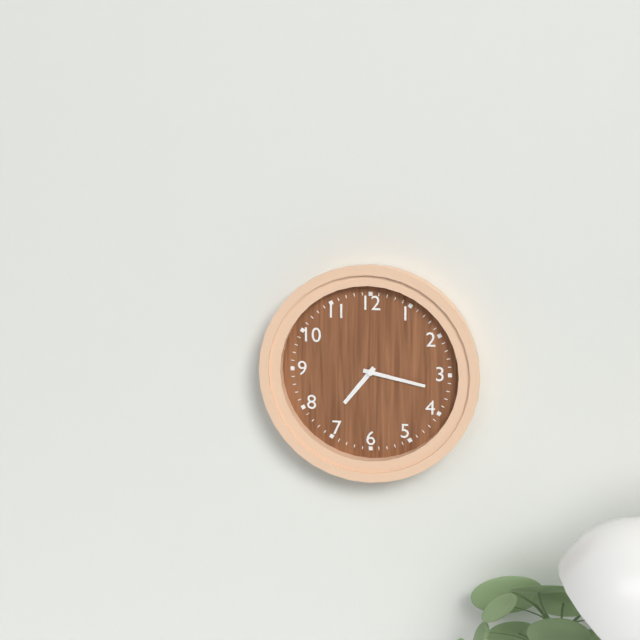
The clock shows 7.17
